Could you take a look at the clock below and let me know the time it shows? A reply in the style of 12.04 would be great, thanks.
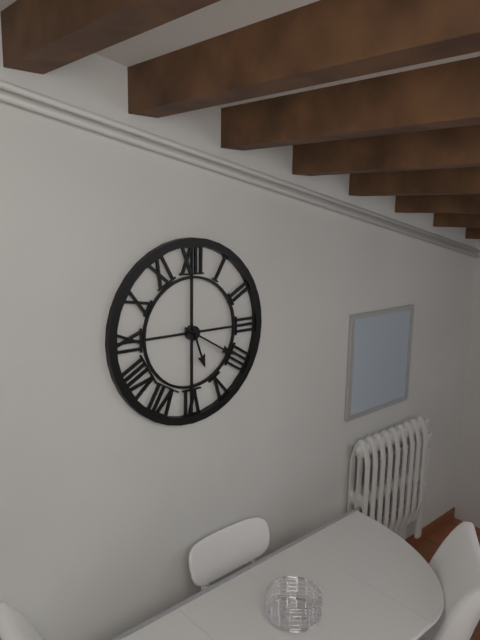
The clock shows 5.20
